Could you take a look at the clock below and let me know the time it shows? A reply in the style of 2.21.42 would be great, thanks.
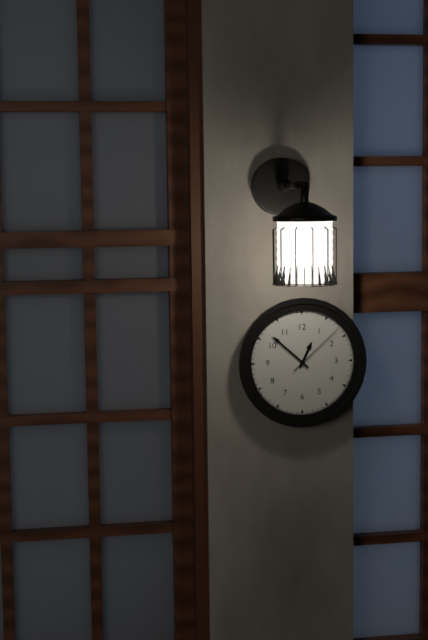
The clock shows 12.52.08
